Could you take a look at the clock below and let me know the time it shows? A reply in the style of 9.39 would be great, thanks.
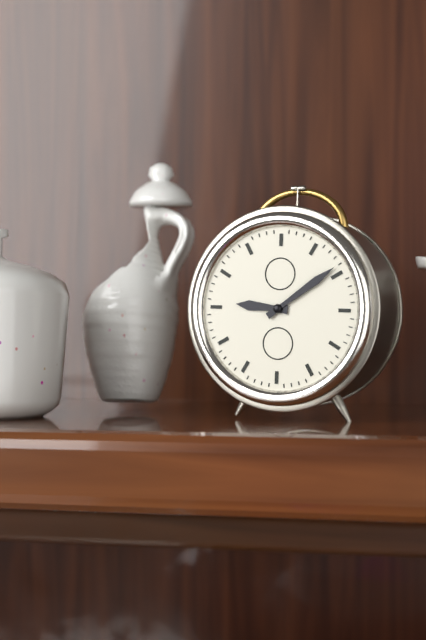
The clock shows 9.09
